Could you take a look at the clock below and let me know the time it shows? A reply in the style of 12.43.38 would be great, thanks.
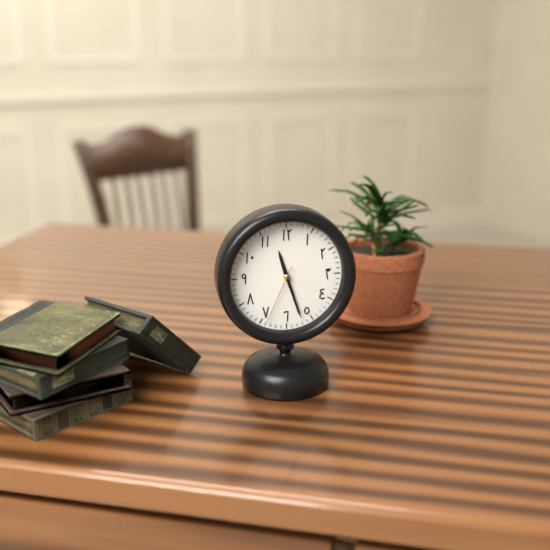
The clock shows 11.27.34
